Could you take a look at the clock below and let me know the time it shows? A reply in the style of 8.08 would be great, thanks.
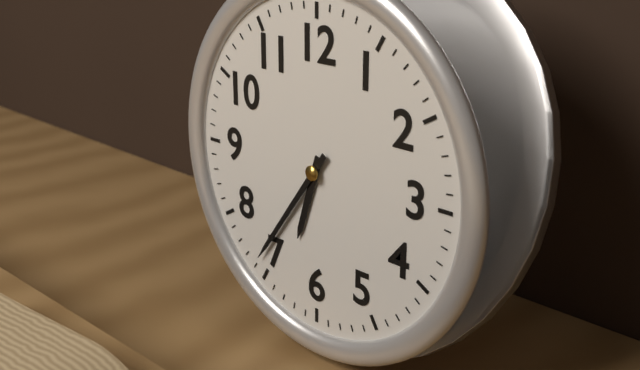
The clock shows 6.36
